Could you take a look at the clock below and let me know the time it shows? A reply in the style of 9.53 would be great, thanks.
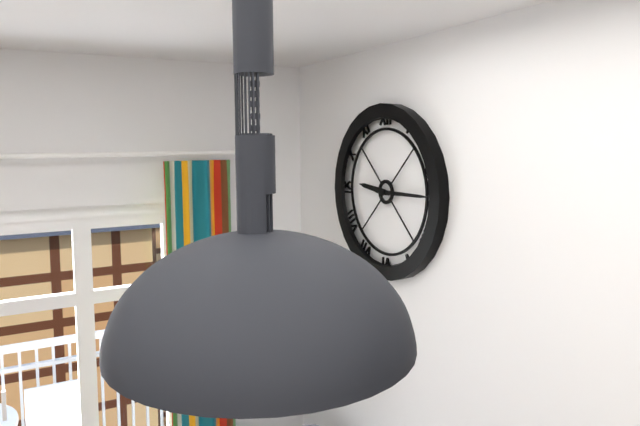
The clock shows 9.15
